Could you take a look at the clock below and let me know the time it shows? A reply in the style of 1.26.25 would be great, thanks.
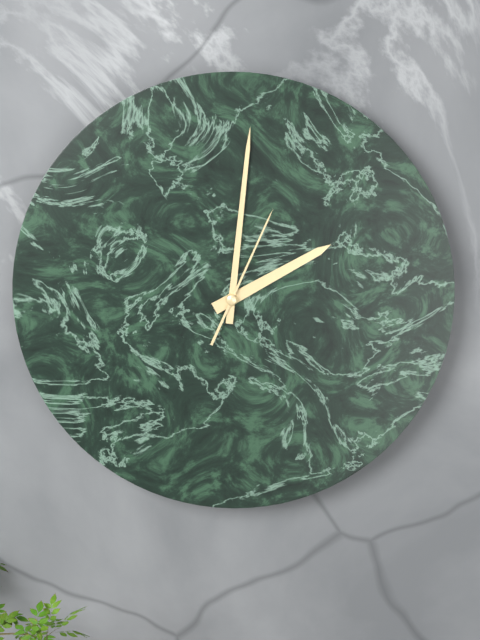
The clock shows 2.01.04
